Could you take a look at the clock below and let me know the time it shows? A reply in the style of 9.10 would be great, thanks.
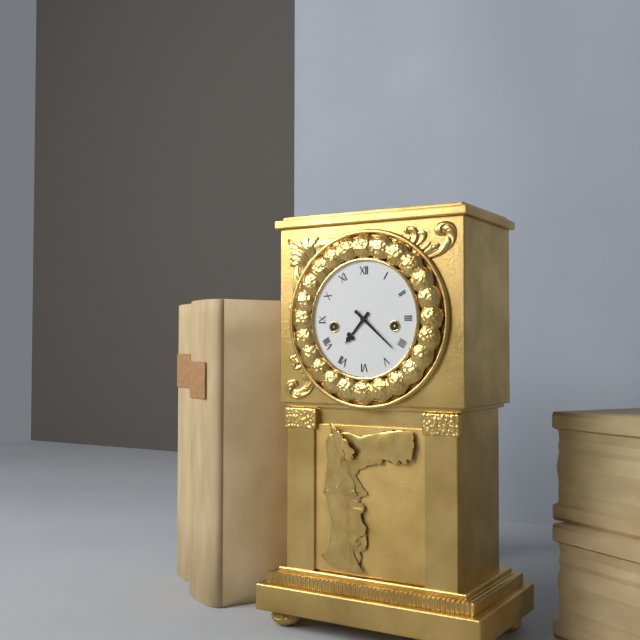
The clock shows 7.22
